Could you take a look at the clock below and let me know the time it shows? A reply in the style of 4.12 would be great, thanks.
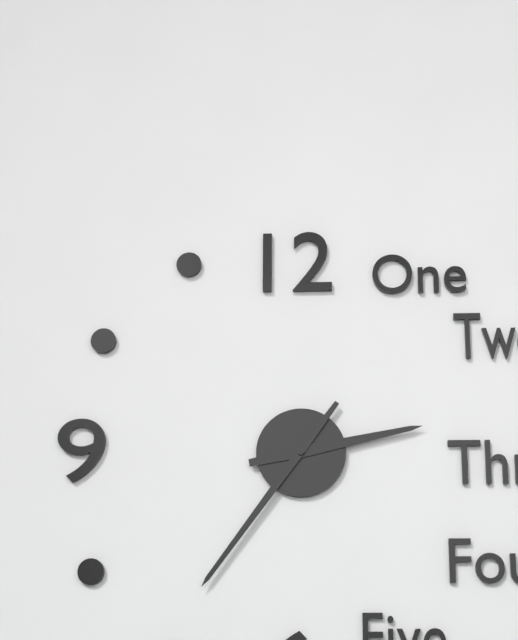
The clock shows 2.36
